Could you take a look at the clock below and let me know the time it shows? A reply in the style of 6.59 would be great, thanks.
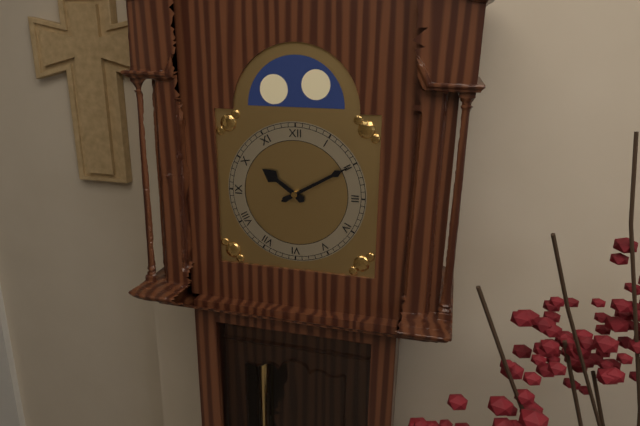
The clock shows 10.10
